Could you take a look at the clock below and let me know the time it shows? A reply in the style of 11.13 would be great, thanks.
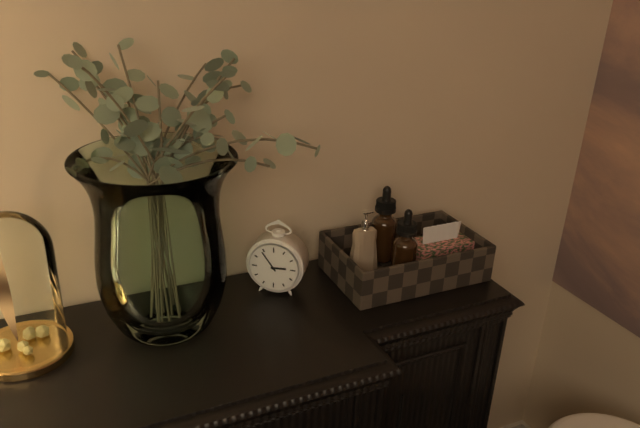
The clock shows 2.54
